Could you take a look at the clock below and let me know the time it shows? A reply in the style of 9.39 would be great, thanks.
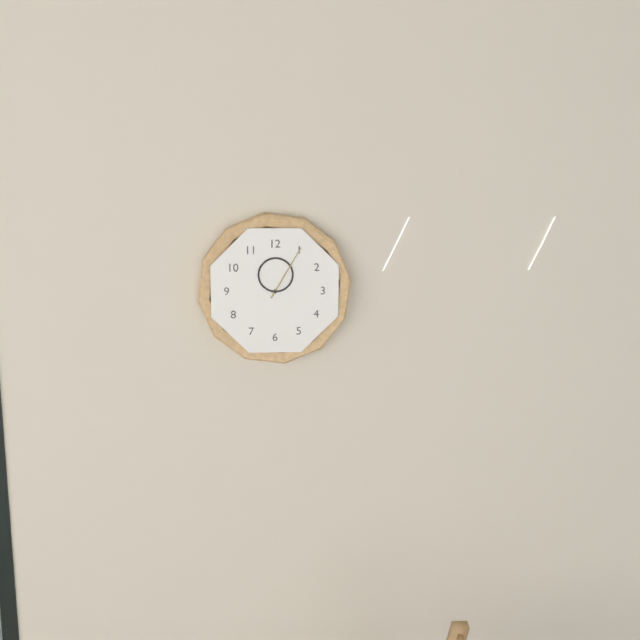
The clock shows 12.05
